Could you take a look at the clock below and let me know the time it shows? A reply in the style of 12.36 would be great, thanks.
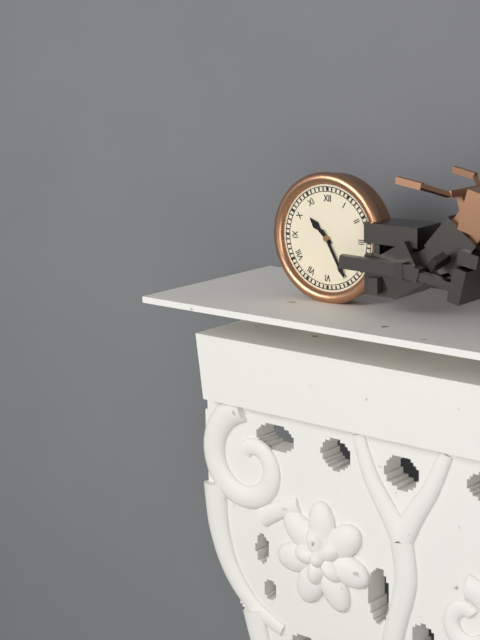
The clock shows 10.25
